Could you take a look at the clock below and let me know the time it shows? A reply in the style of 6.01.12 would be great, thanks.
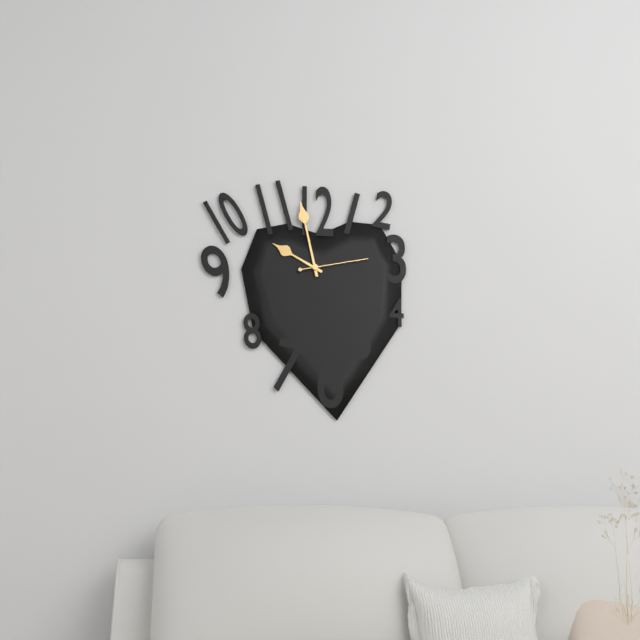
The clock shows 9.58.13
